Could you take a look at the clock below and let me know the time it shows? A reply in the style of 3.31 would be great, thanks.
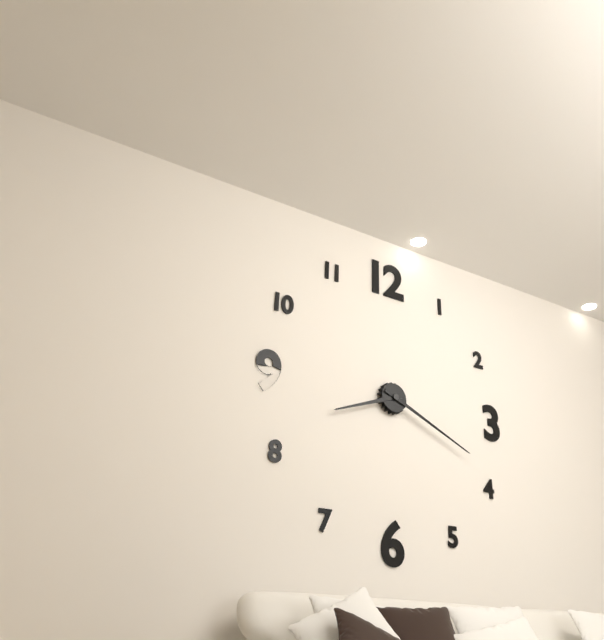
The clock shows 8.19
